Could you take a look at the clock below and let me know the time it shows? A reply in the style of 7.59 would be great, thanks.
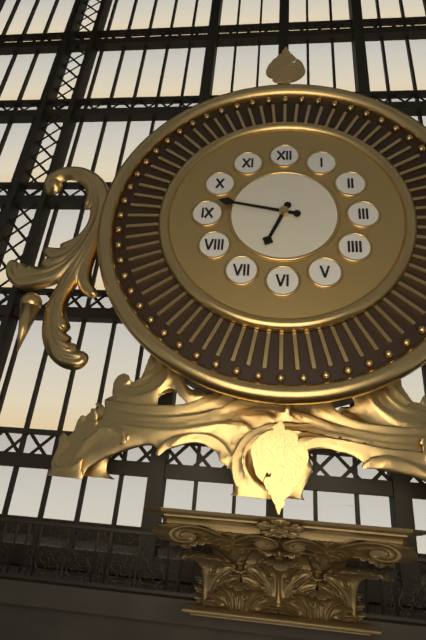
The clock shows 6.47
